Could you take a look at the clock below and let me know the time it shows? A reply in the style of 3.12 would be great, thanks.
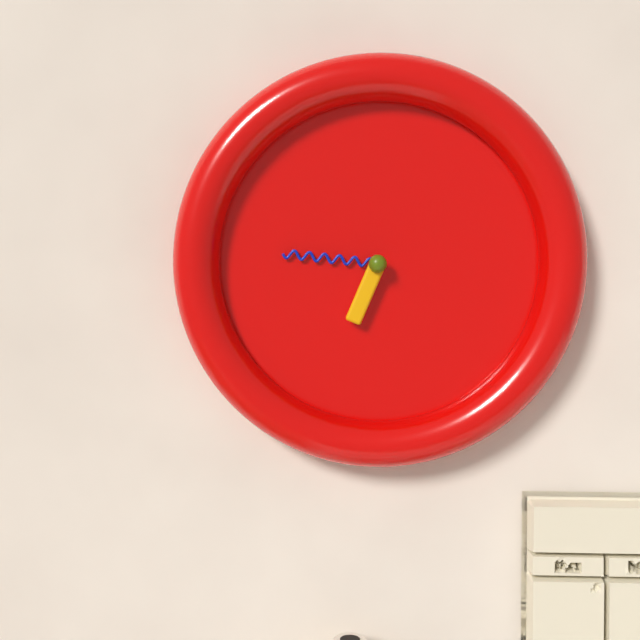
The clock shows 6.46
